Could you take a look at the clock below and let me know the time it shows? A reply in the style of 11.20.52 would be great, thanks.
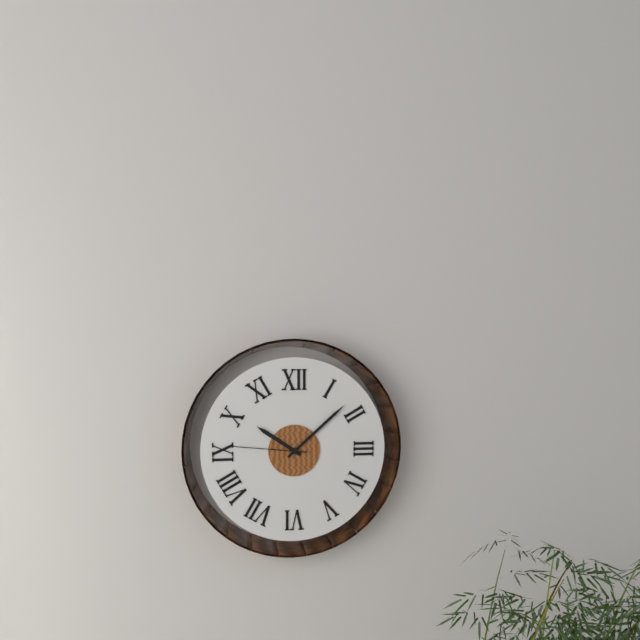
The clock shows 10.08.46
